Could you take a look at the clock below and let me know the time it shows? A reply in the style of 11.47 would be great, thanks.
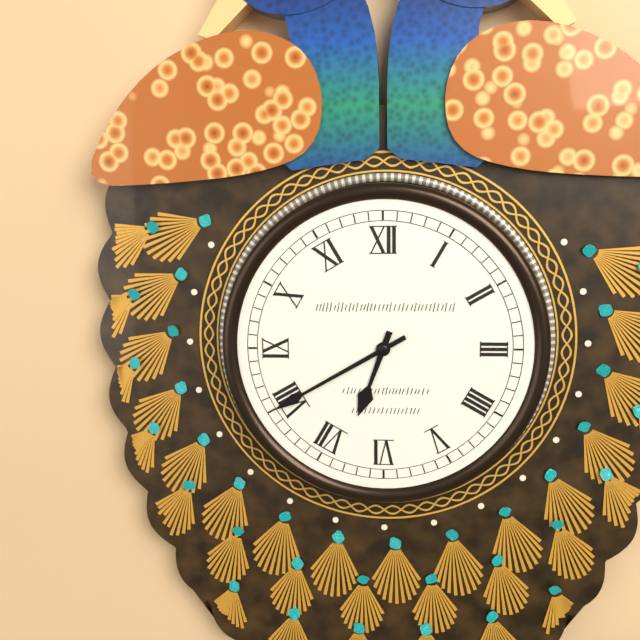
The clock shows 6.40
